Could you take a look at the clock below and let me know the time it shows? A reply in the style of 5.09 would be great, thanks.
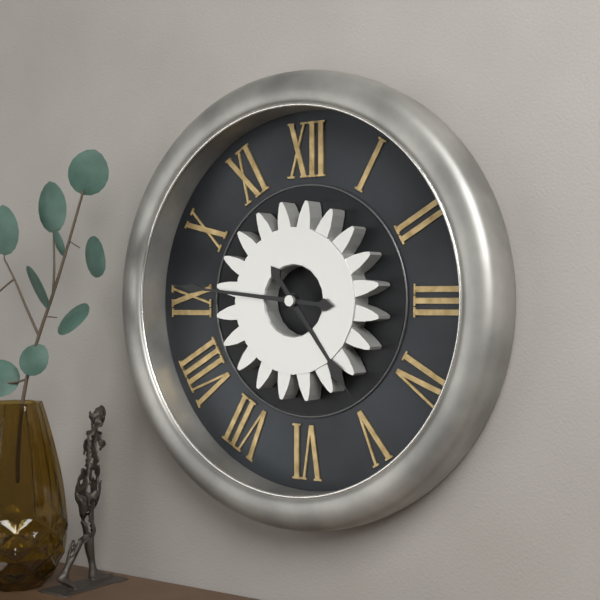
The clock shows 4.46
